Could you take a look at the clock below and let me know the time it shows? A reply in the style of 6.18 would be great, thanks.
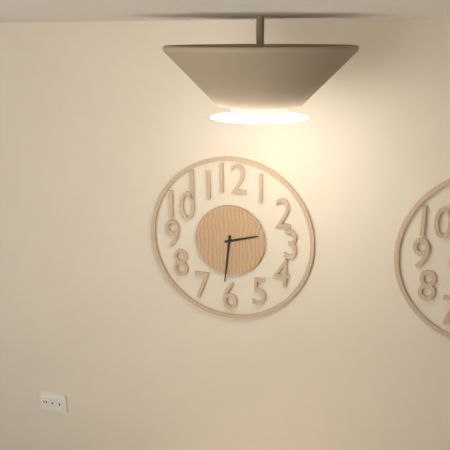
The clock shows 2.31
